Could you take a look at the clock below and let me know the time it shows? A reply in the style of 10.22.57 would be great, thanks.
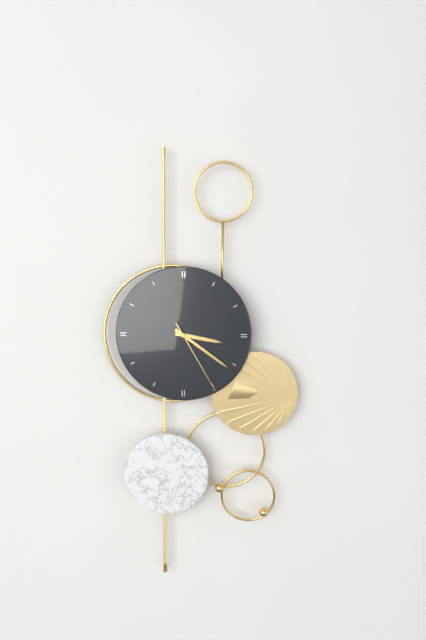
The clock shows 3.21.25
